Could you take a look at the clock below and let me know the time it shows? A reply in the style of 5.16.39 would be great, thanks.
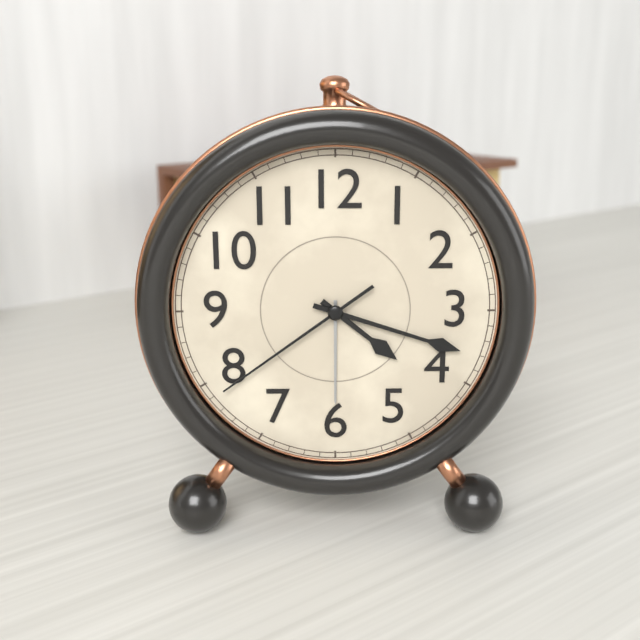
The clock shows 4.18.39
